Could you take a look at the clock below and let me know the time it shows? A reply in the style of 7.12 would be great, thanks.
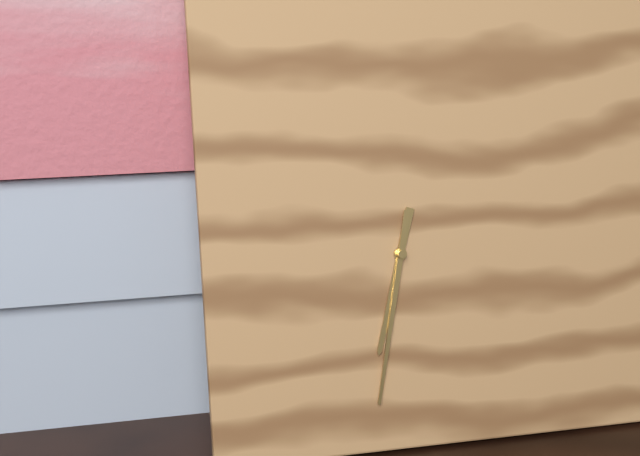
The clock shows 6.32
